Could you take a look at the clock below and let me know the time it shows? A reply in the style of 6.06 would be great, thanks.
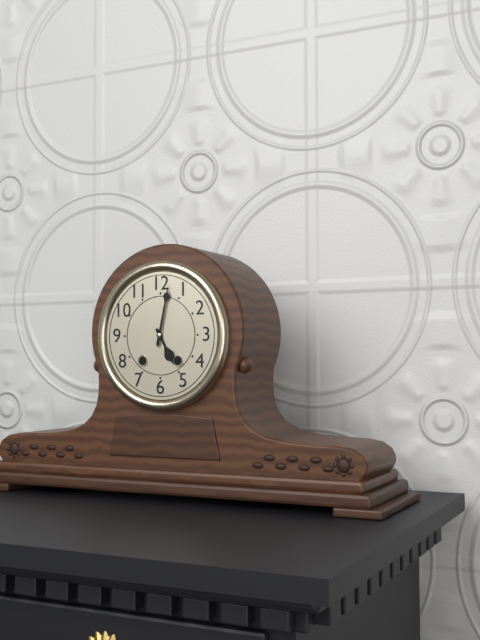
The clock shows 5.02
